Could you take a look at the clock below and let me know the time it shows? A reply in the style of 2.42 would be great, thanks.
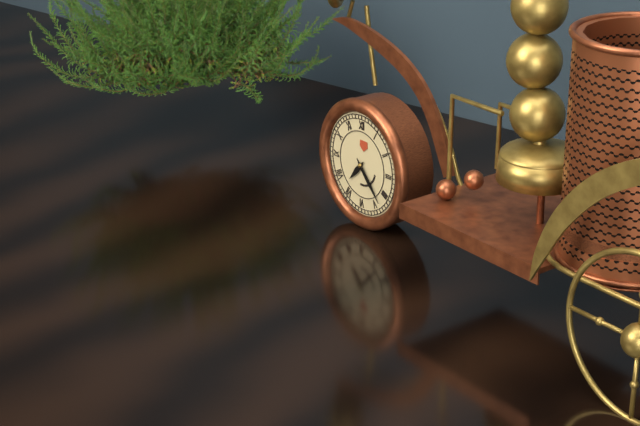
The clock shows 7.23
